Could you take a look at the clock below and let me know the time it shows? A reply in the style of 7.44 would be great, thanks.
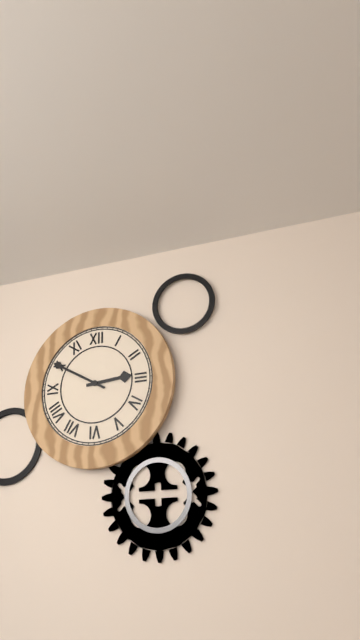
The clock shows 2.50
